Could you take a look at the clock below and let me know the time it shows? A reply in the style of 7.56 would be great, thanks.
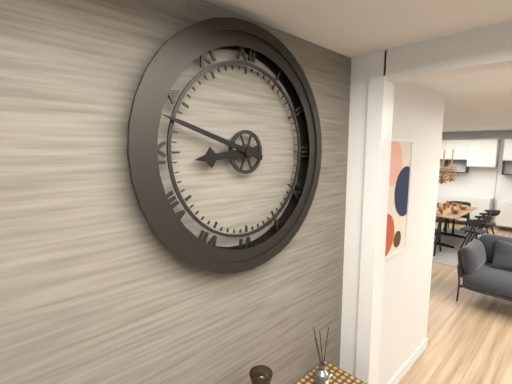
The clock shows 8.48
